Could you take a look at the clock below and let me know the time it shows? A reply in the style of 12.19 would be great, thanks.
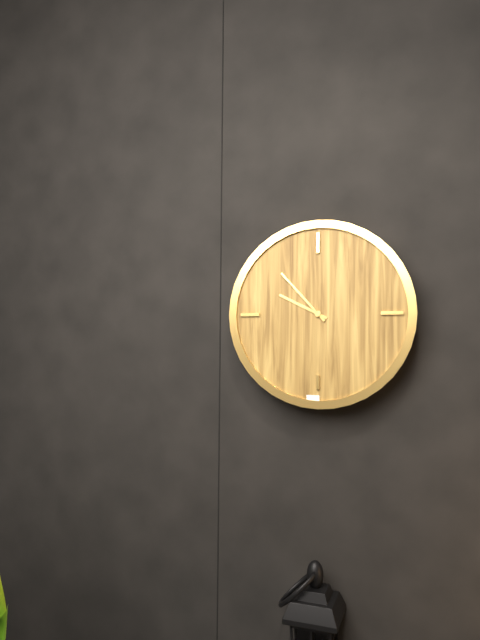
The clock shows 9.53
